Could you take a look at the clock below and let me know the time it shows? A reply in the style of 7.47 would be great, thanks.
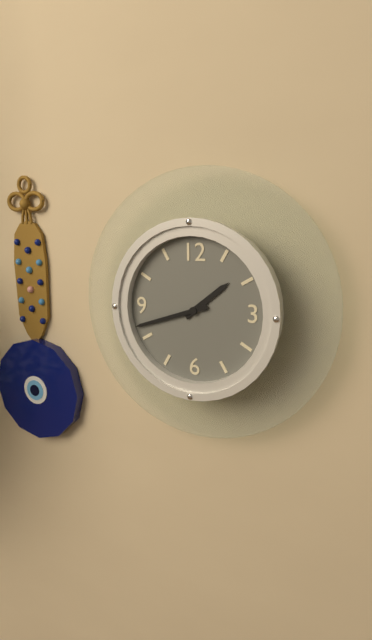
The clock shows 1.42
